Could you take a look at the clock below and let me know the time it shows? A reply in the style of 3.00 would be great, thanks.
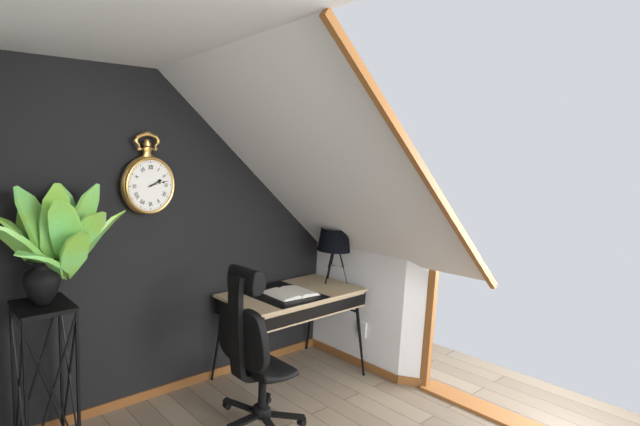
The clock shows 2.13
